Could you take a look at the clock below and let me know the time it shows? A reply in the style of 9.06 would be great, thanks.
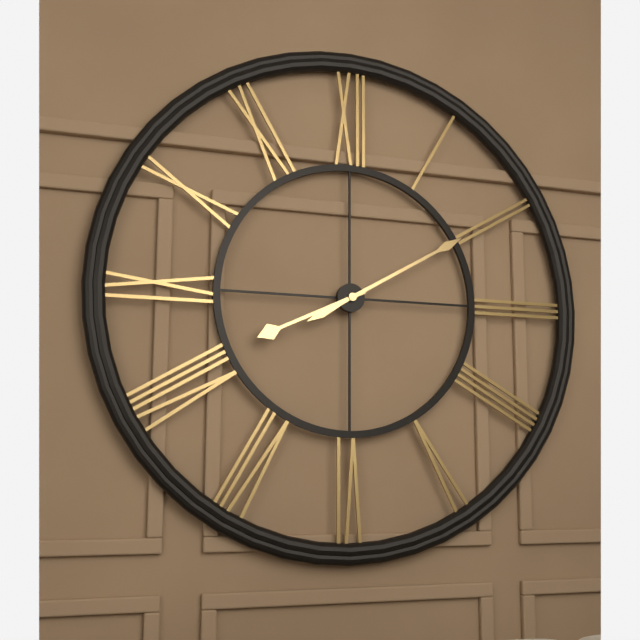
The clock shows 8.10
